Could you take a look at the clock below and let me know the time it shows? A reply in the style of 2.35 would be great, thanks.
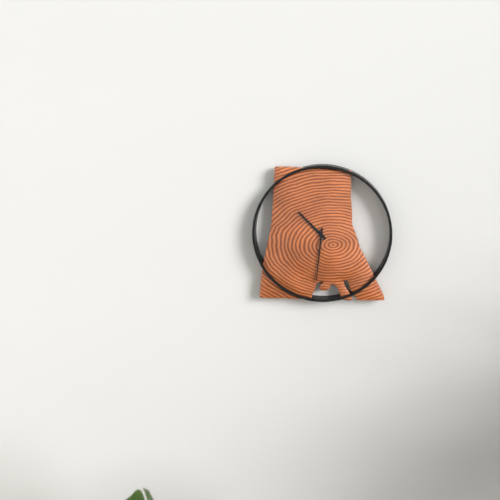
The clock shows 10.31
